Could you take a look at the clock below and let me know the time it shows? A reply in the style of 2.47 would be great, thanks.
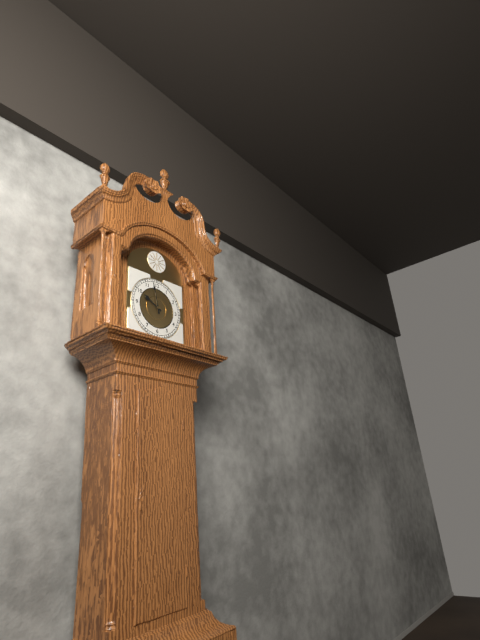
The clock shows 9.58
